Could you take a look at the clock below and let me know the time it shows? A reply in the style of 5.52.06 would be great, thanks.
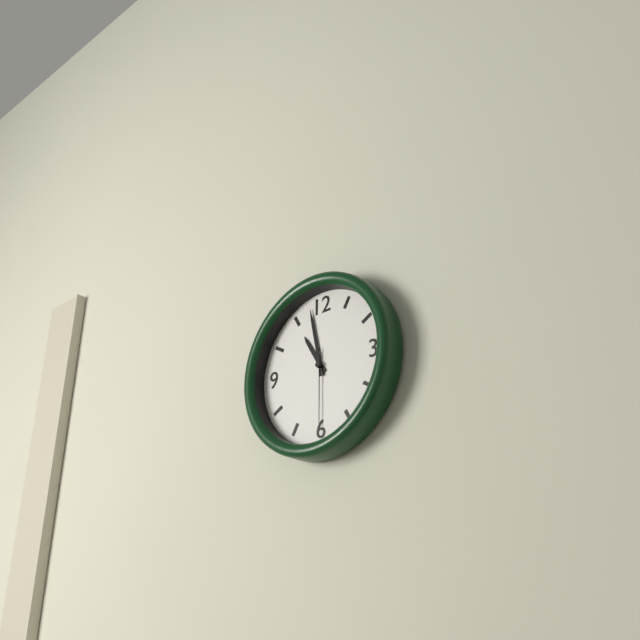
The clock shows 10.58.30
